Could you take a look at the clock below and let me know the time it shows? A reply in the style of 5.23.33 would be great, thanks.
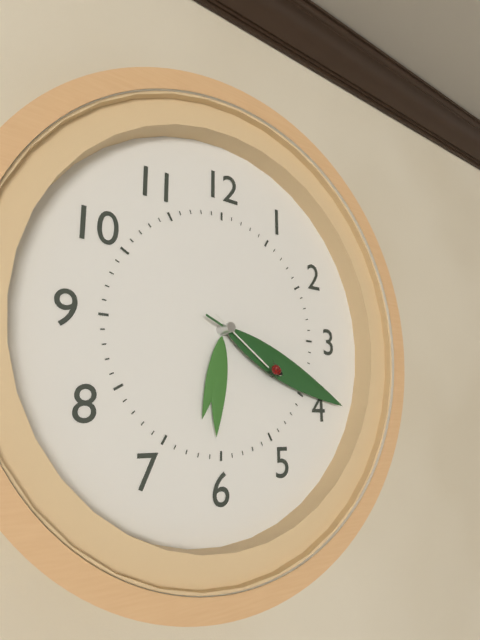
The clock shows 6.19.21
